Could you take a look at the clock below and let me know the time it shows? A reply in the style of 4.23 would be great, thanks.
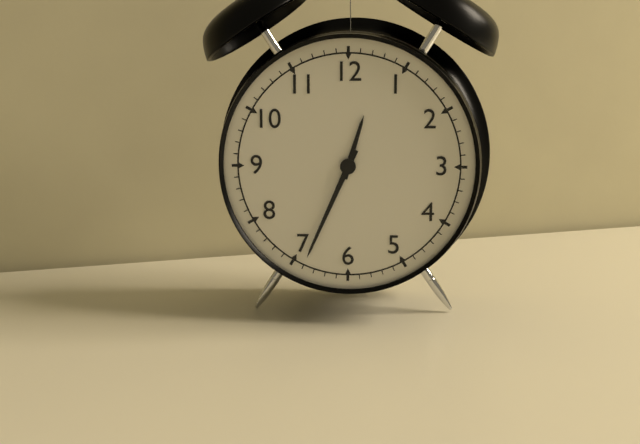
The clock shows 12.34
